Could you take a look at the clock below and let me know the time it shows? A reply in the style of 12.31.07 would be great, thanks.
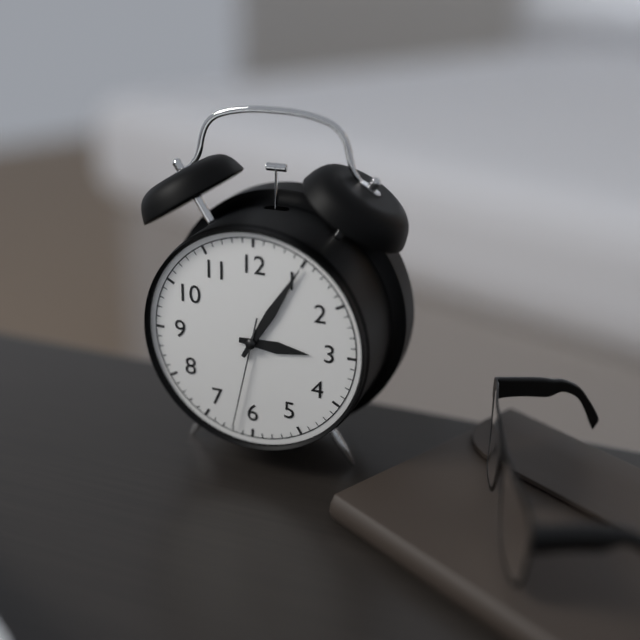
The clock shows 3.05.32
